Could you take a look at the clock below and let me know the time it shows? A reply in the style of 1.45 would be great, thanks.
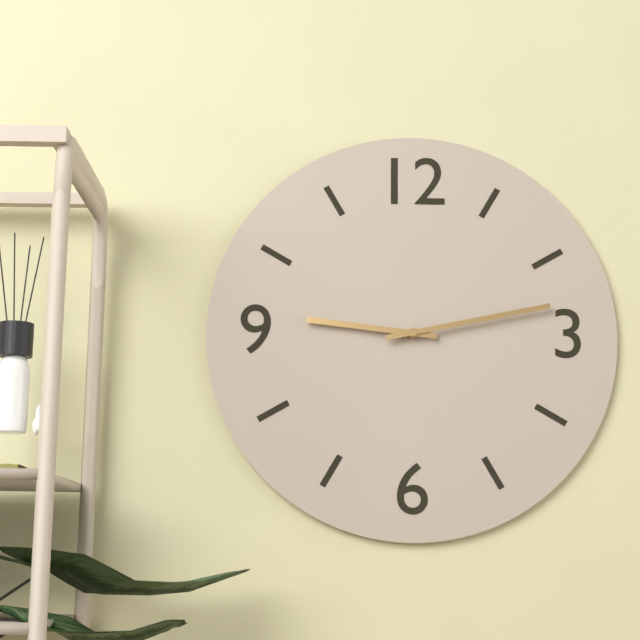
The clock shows 9.13
